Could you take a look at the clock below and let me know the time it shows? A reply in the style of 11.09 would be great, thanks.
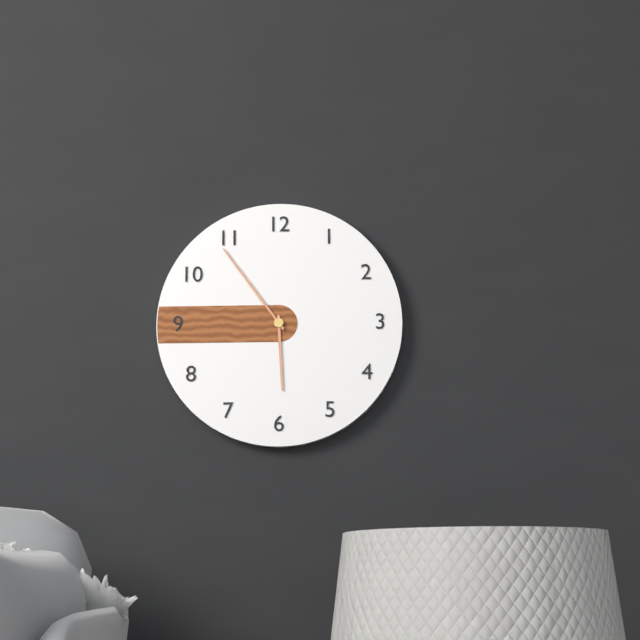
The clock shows 5.54
